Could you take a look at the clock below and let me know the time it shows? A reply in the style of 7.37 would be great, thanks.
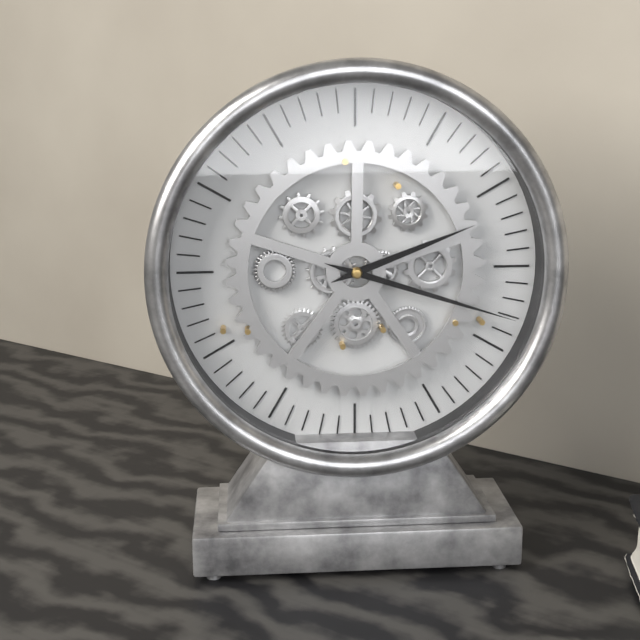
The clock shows 2.18
